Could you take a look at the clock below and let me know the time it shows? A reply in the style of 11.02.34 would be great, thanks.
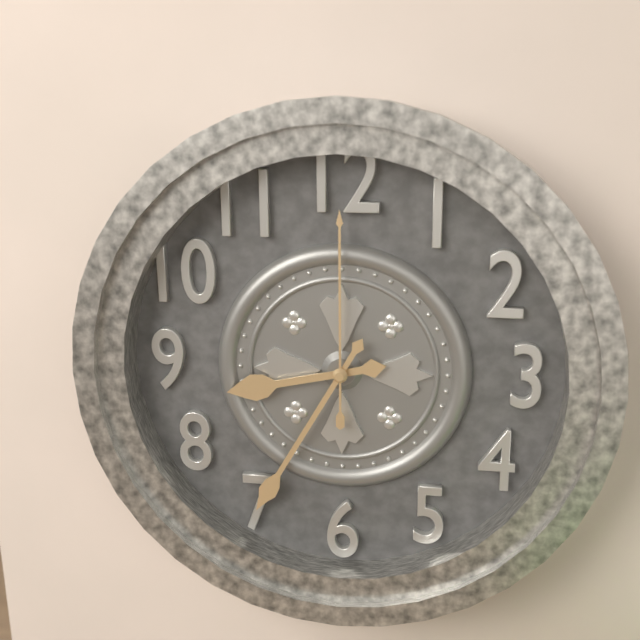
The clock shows 8.35.00
